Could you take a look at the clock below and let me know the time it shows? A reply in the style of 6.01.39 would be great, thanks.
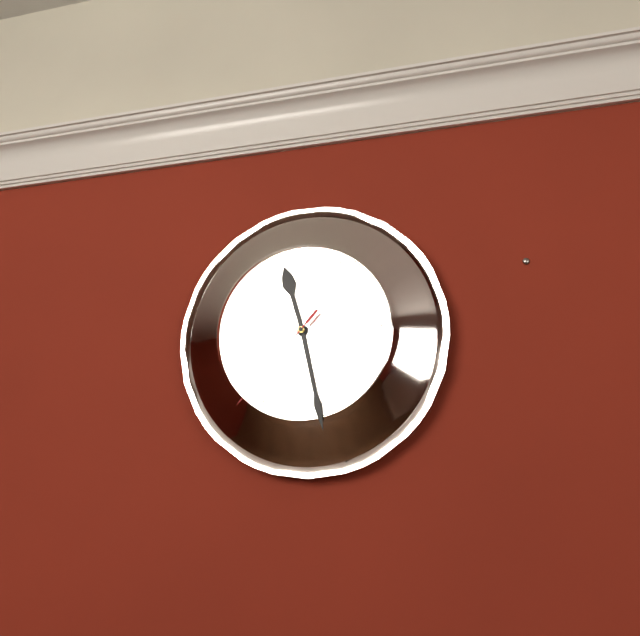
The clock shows 11.28.37
